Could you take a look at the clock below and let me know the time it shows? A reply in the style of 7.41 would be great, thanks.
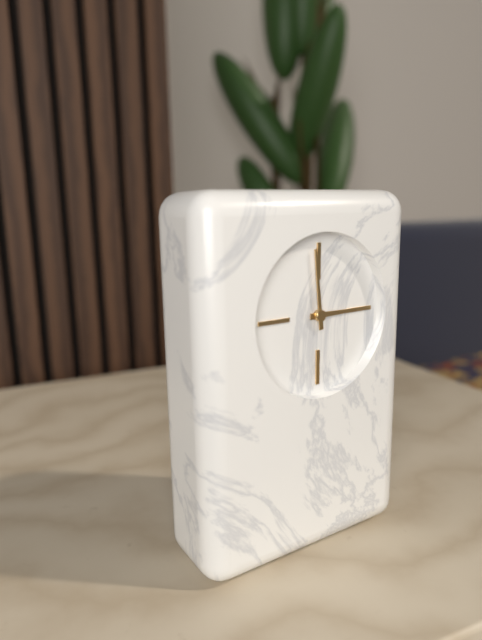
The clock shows 2.59
